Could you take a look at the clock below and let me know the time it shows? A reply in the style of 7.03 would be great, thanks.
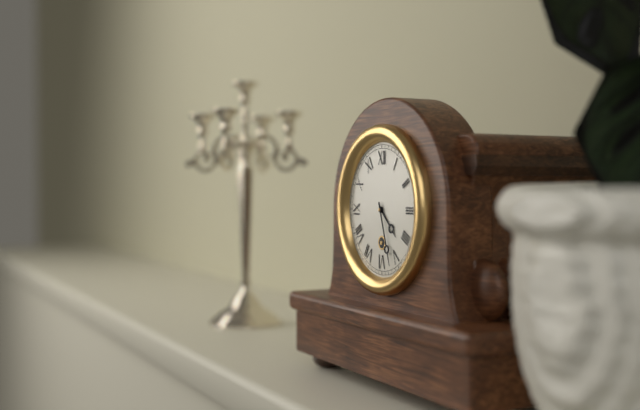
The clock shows 4.27
